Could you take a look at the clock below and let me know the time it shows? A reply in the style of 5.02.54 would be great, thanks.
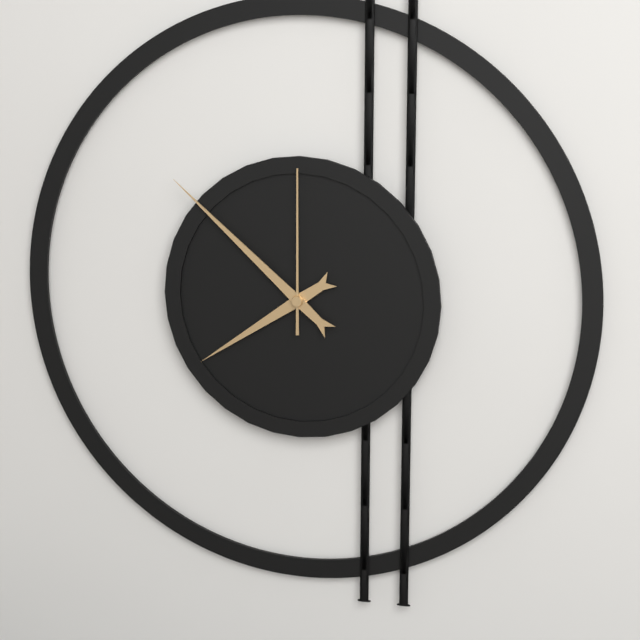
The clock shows 7.52.00
